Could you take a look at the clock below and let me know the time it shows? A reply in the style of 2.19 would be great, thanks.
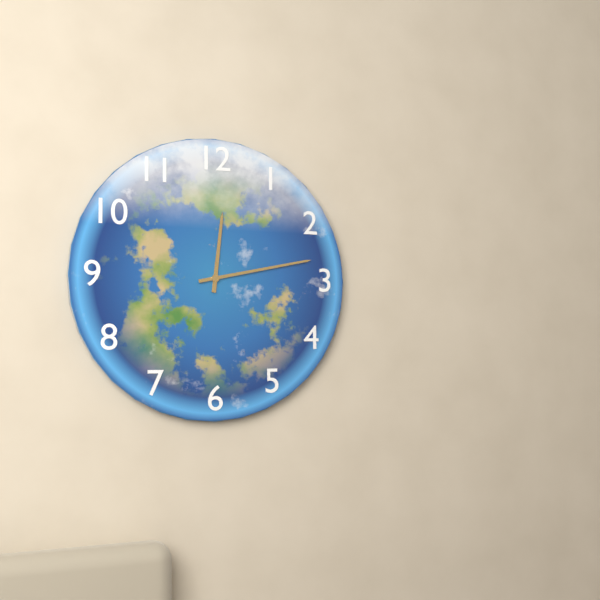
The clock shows 12.13
